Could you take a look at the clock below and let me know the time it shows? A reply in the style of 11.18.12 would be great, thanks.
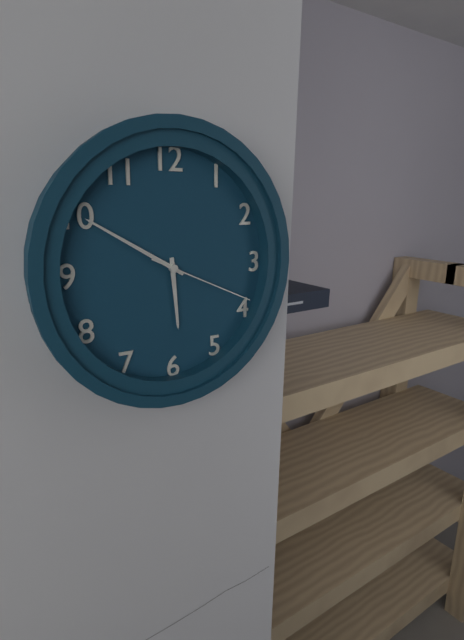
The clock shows 5.50.19
